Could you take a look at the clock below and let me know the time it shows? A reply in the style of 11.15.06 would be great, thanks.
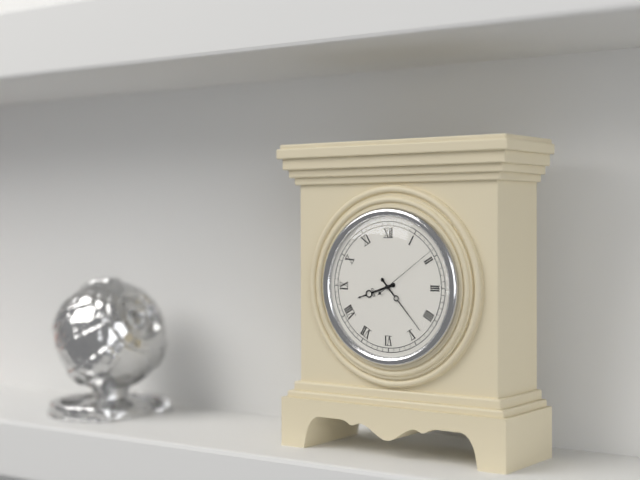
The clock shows 8.23.09
